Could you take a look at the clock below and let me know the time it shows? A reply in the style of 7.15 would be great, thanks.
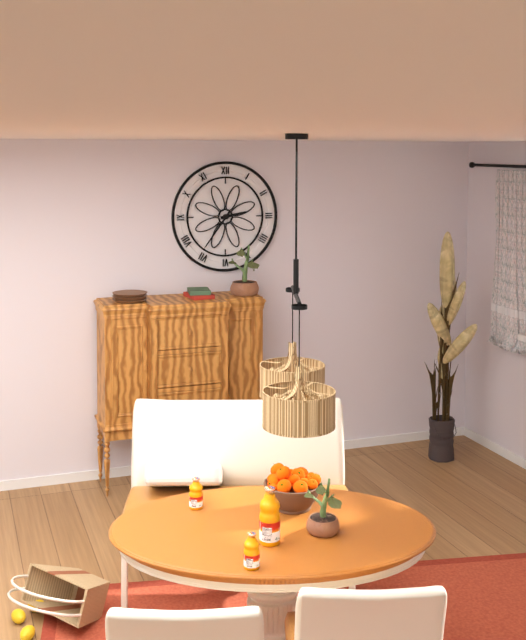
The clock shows 2.36
